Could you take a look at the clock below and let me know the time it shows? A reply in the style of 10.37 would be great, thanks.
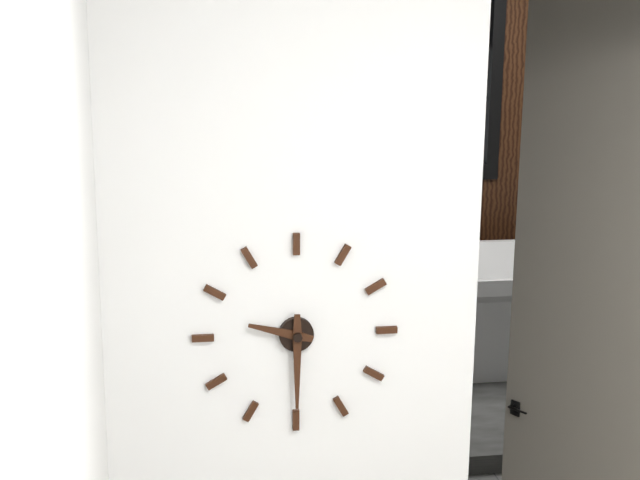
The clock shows 9.30
